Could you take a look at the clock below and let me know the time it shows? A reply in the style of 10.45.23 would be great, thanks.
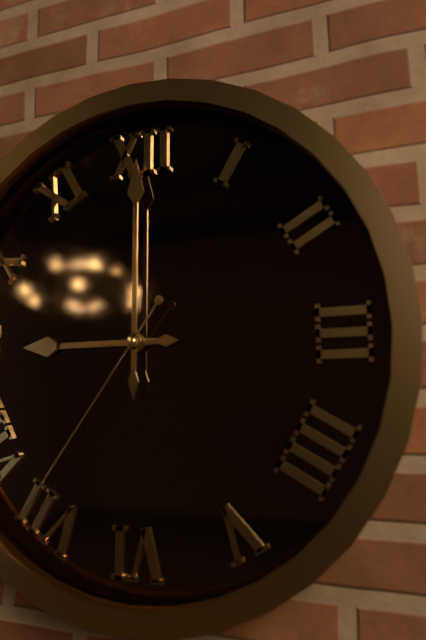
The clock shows 9.00.36
